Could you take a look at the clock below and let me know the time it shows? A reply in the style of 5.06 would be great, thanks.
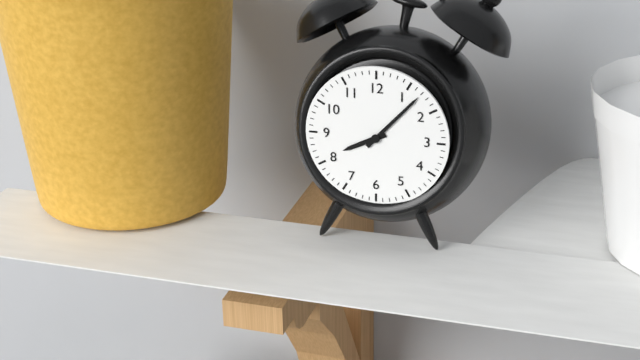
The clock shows 8.07
